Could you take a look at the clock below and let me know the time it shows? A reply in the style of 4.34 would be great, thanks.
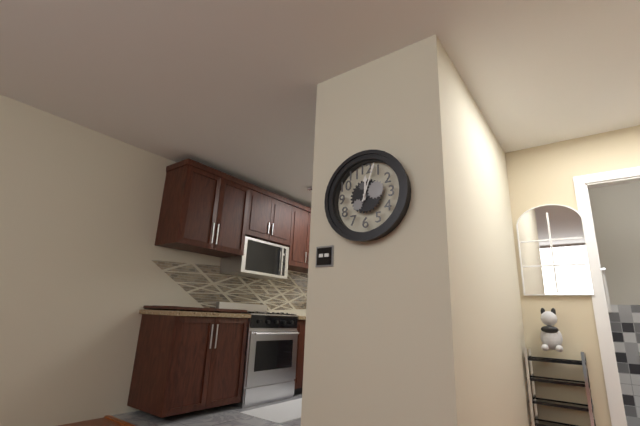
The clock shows 12.03
